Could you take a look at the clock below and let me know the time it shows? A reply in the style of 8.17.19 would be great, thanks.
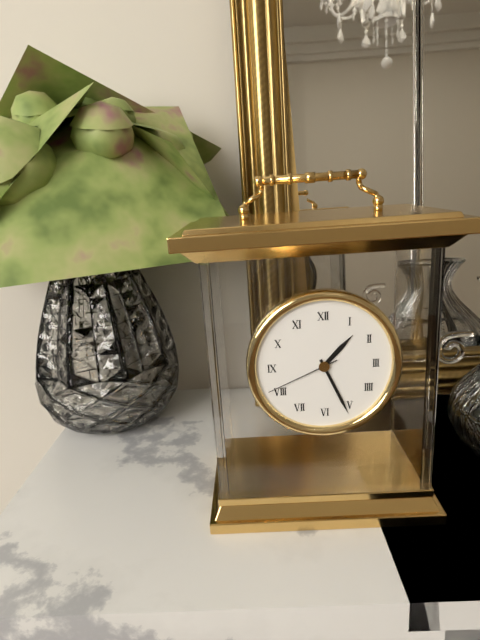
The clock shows 1.26.41
